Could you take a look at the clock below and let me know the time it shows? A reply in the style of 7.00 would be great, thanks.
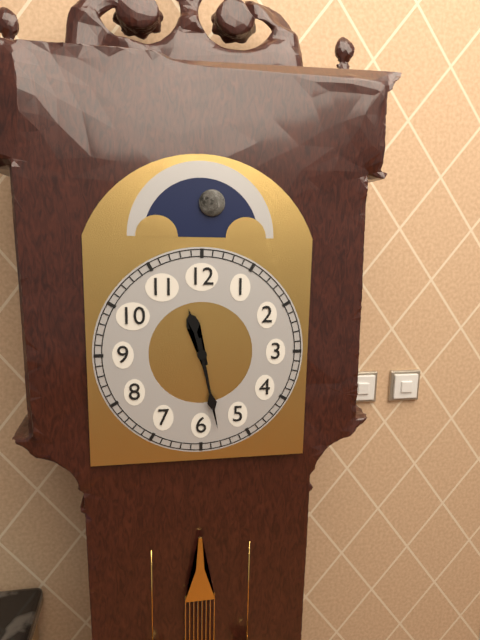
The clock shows 11.28
